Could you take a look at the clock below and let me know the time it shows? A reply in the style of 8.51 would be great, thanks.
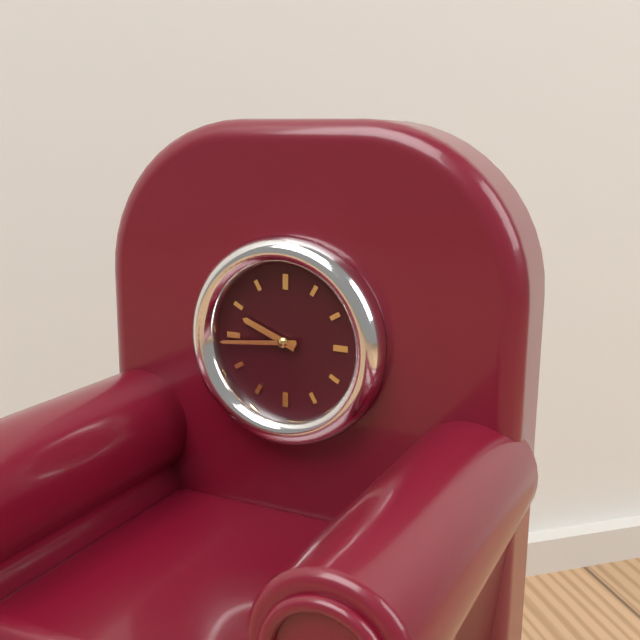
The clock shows 9.44
